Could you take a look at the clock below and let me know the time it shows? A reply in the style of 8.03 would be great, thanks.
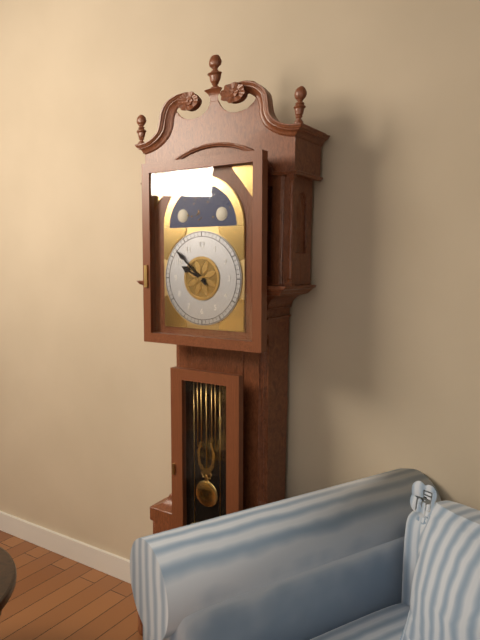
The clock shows 9.52
